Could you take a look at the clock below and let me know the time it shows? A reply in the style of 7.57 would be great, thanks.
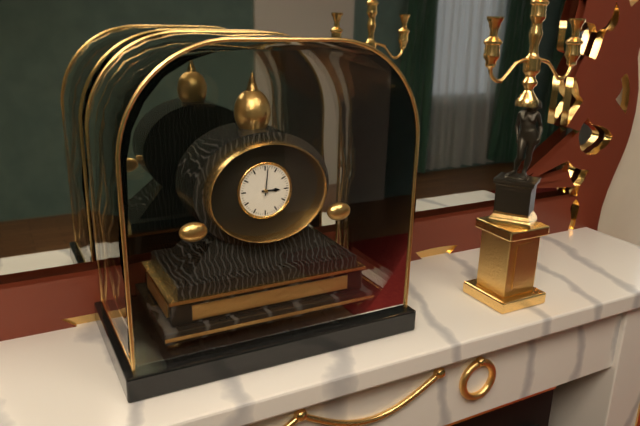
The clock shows 3.01
